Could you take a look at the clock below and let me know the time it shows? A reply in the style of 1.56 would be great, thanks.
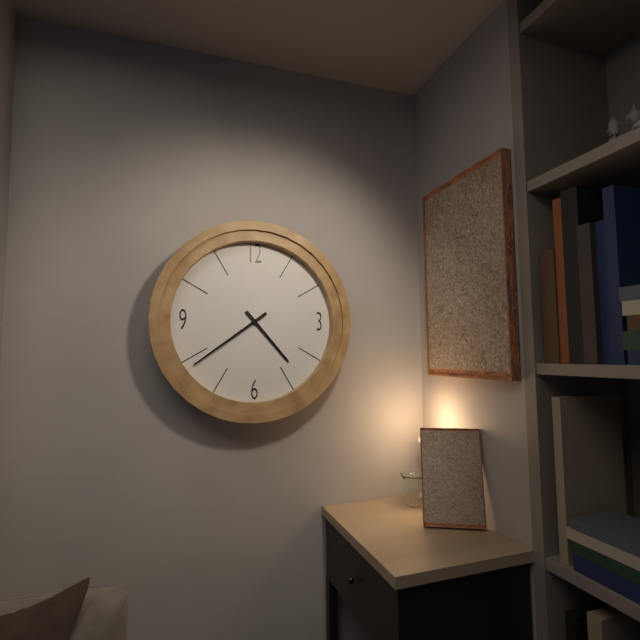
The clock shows 4.39
